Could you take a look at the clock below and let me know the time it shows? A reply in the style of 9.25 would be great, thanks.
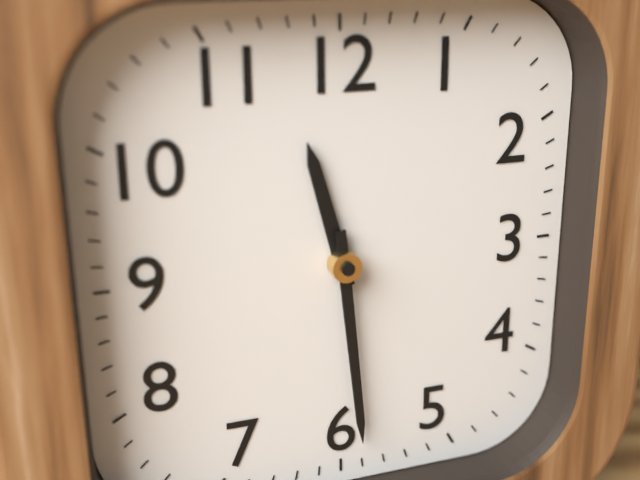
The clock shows 11.29
